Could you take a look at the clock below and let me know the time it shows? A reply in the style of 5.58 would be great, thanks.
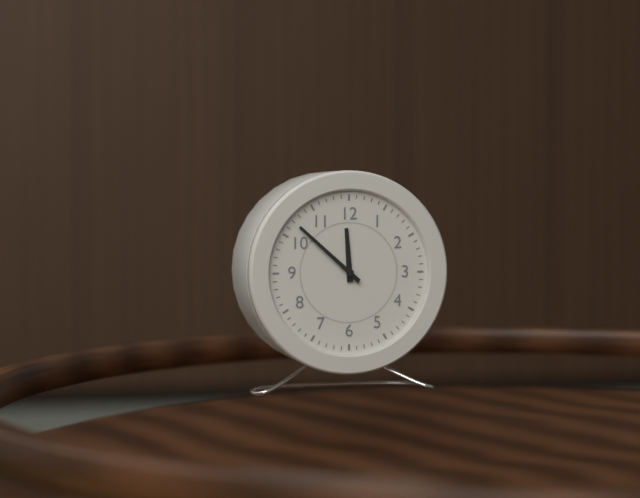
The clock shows 11.52
